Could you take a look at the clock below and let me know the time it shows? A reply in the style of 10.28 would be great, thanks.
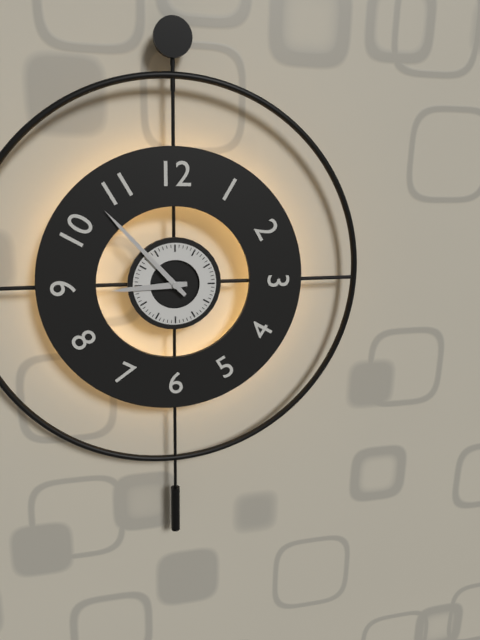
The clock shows 8.53
